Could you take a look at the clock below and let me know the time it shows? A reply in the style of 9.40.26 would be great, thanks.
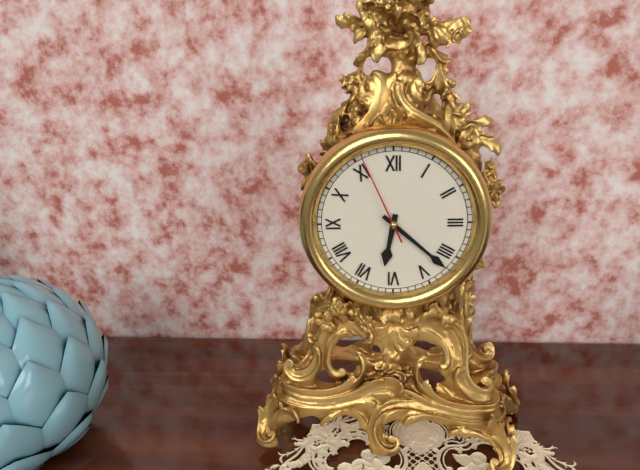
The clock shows 6.22.56
